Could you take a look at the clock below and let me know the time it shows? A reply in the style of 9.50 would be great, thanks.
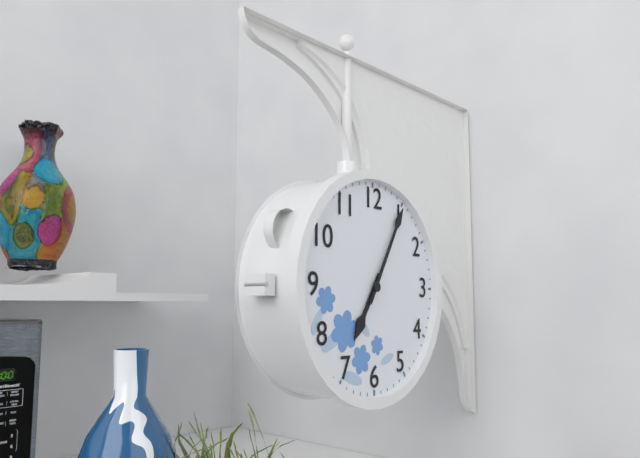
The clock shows 7.05
